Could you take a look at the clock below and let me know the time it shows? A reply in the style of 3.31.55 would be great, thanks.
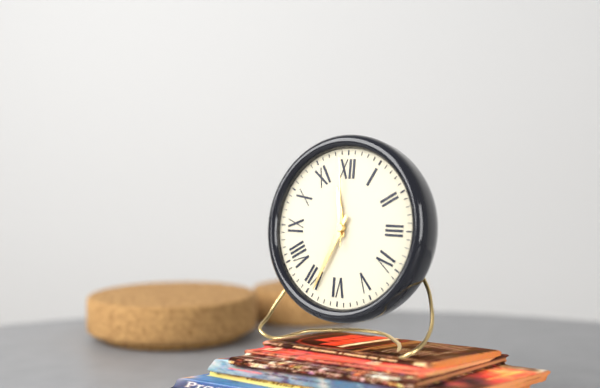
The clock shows 11.34.59
